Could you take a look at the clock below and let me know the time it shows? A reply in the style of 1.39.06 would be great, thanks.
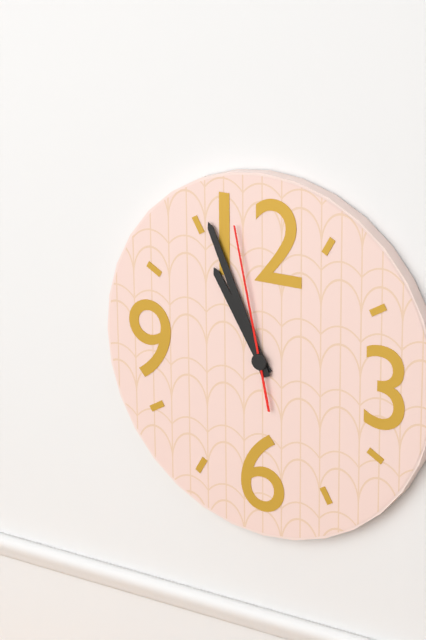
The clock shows 10.56.58
